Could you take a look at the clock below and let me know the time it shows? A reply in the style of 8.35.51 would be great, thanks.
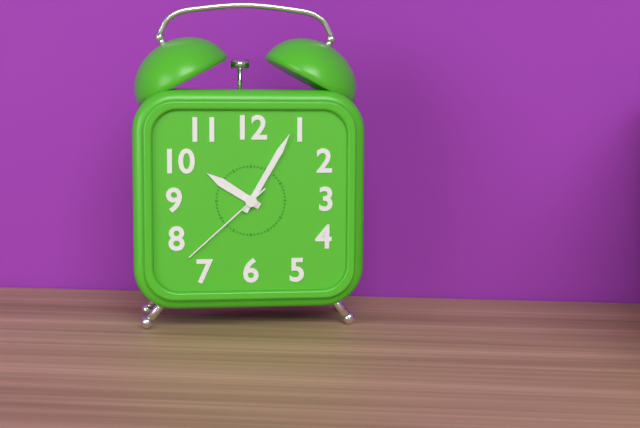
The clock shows 10.05.38
